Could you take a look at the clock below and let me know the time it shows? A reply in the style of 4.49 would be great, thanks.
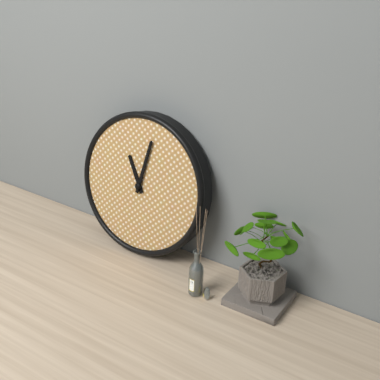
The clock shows 11.02
